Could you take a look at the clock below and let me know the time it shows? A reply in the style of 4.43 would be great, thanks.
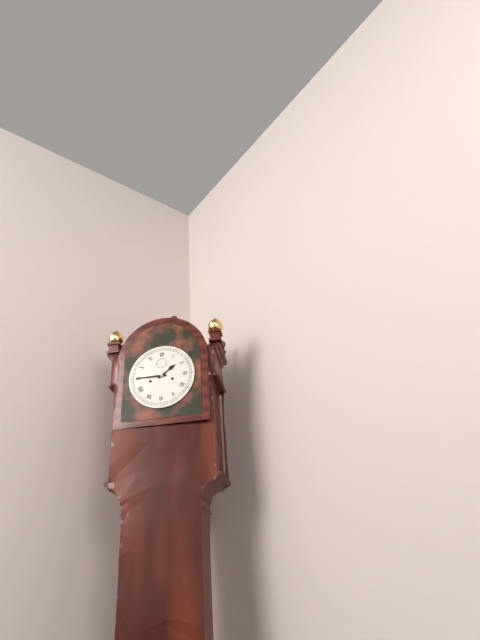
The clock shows 1.45
